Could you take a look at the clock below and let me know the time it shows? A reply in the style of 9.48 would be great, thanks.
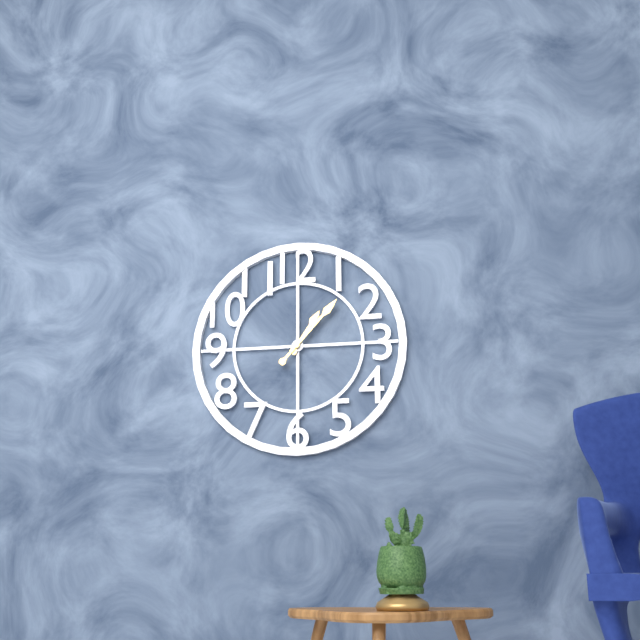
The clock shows 1.07
